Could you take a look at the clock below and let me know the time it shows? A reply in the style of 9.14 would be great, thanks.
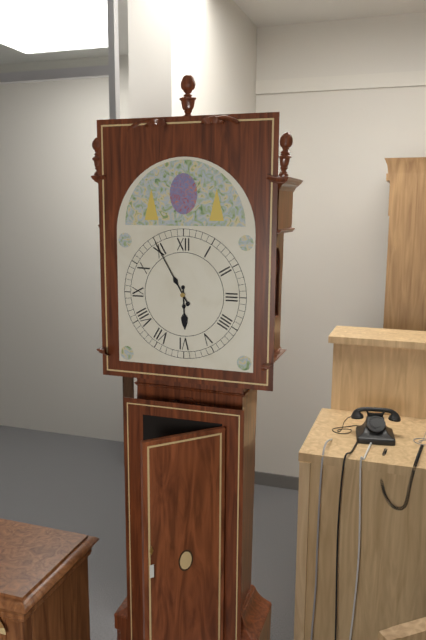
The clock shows 5.55
